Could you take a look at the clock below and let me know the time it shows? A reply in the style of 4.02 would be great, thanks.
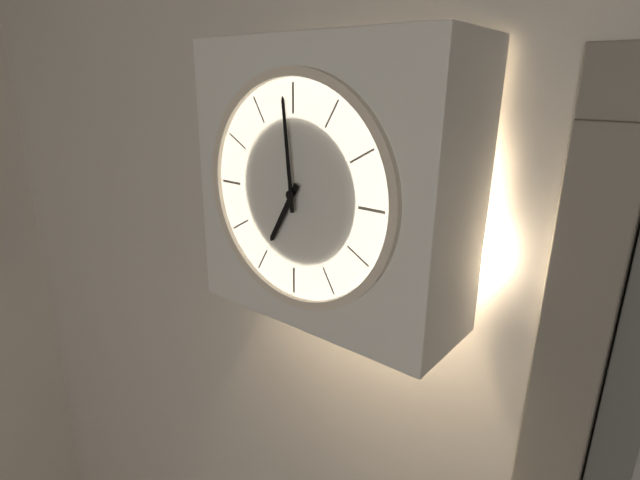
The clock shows 6.59
